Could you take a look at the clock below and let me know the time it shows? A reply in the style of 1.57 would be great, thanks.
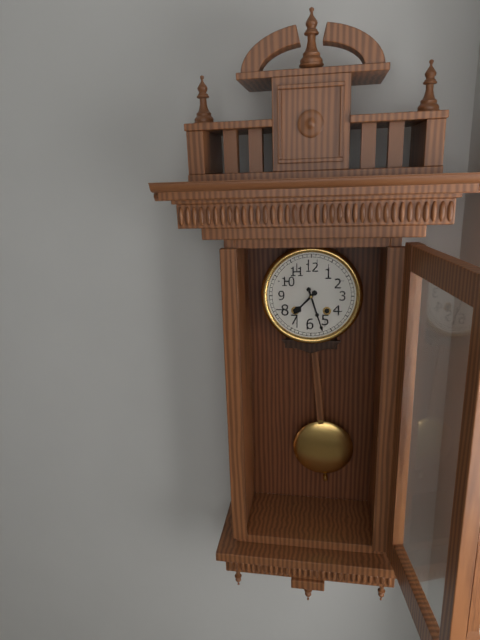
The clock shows 7.27
